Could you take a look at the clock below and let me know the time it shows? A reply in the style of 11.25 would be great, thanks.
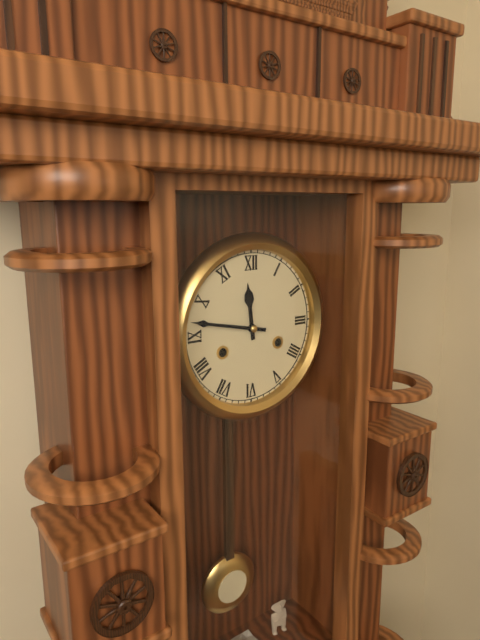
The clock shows 11.47
